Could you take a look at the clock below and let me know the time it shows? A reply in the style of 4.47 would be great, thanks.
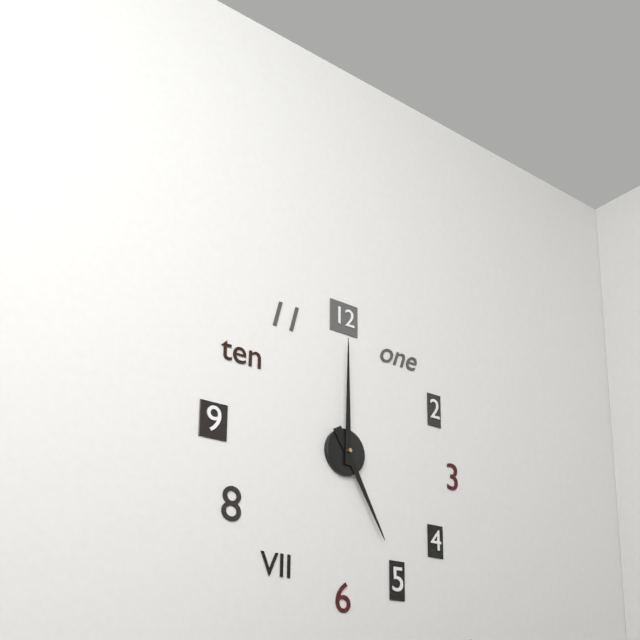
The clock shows 5.00
